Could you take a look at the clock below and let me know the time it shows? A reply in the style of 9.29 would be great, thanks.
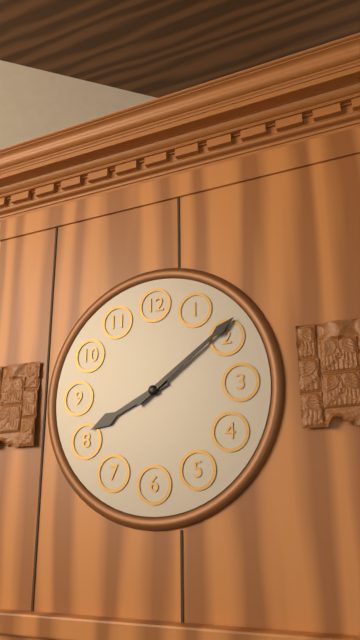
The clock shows 8.09
